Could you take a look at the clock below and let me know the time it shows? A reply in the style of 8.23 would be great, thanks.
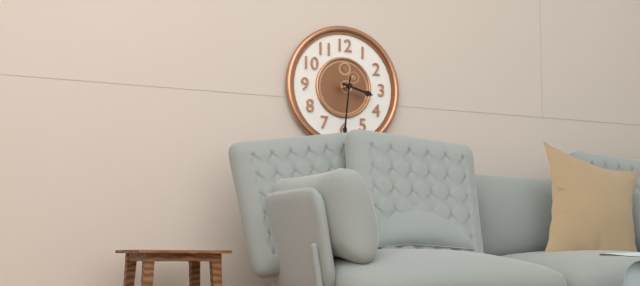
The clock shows 3.31
